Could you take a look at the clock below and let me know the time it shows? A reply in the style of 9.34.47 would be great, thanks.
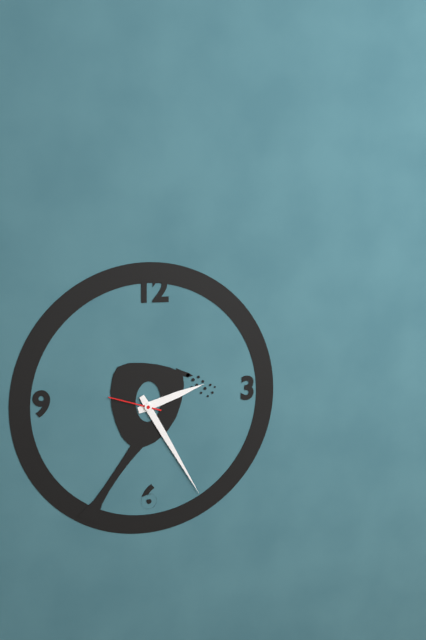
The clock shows 2.25.48
